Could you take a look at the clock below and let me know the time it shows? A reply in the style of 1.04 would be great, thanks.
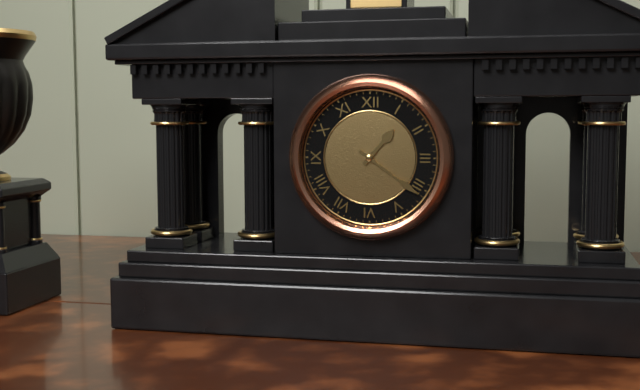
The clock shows 1.21
